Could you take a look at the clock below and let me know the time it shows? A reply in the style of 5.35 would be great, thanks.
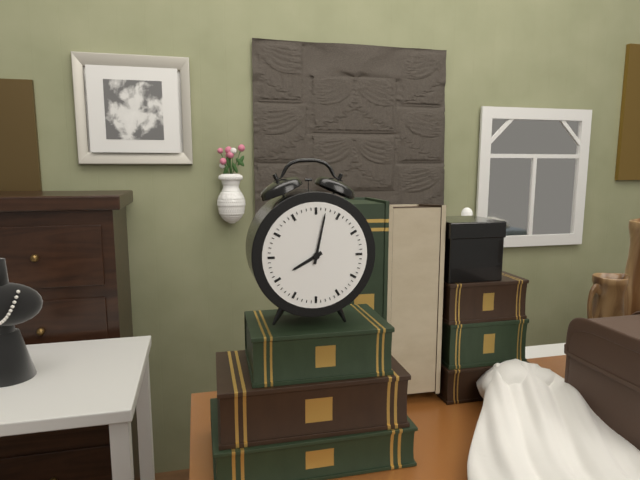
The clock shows 8.02
